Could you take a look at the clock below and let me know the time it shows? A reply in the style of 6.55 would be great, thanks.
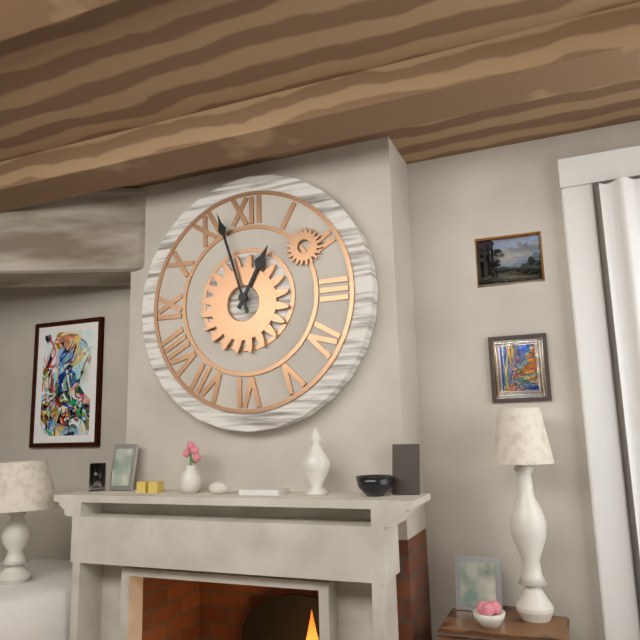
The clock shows 12.57
